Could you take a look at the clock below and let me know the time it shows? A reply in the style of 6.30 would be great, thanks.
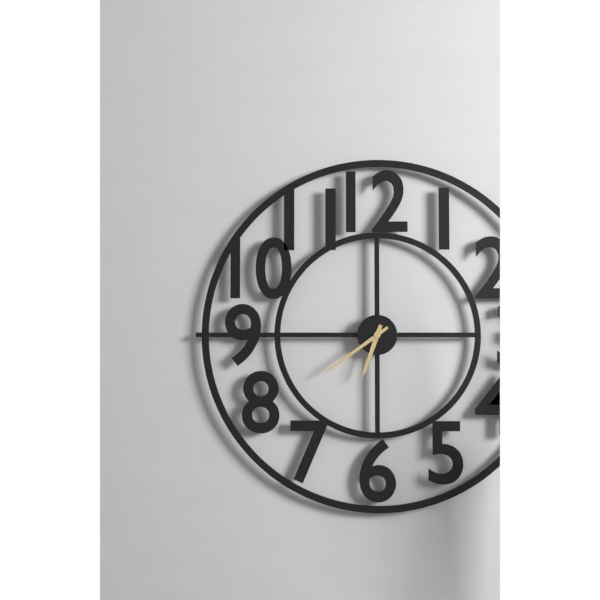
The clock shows 6.39
